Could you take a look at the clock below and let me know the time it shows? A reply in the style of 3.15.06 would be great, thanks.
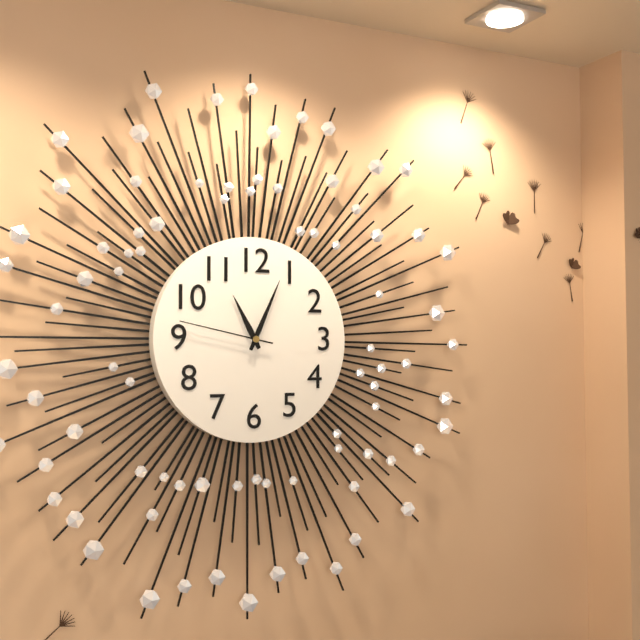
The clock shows 11.04.47
